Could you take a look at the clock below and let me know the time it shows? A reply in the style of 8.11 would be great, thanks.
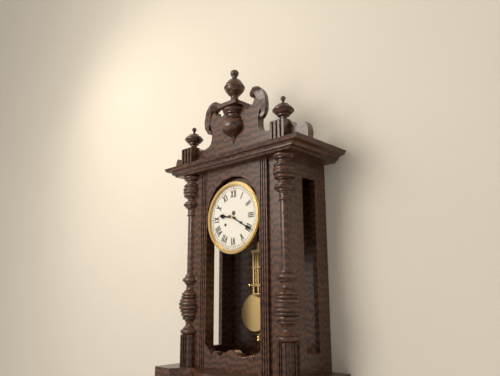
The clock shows 9.20
